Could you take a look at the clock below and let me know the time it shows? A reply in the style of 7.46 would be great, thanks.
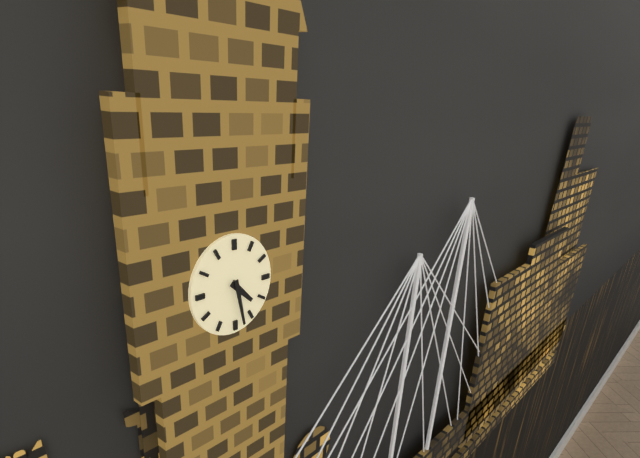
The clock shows 4.28
